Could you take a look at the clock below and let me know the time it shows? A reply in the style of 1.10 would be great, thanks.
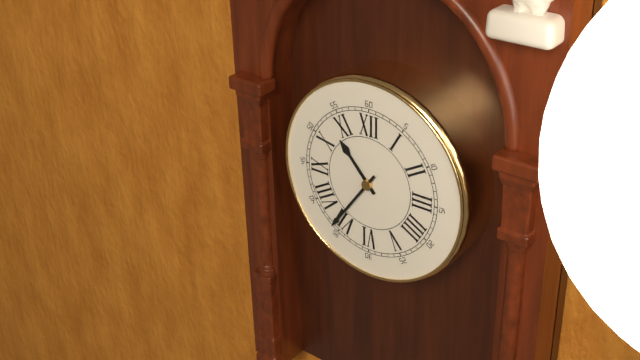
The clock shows 10.36
